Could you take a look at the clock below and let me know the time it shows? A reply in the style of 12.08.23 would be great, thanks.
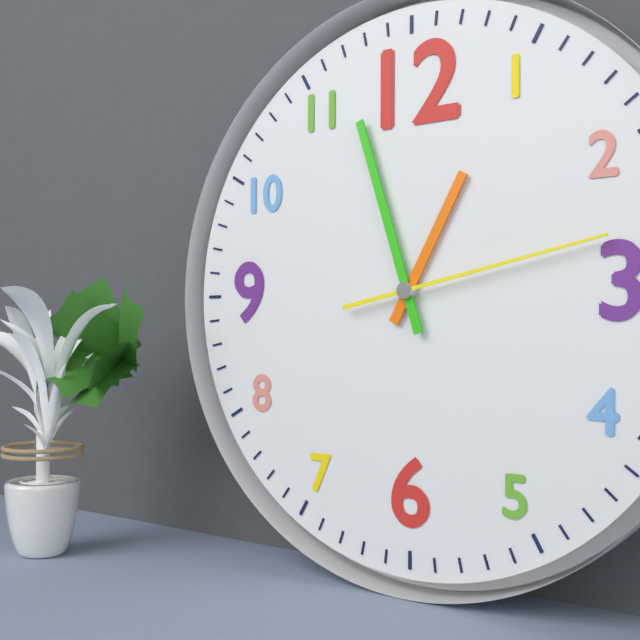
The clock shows 12.57.13
